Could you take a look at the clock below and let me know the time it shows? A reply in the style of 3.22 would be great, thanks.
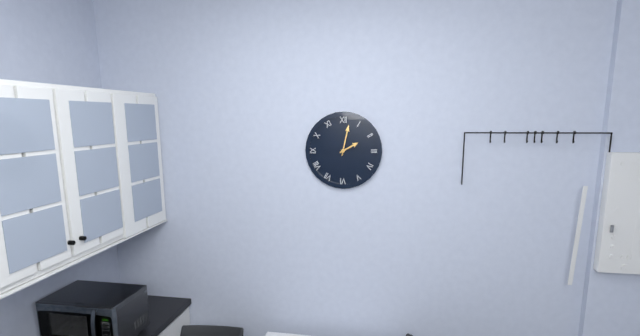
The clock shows 2.02
